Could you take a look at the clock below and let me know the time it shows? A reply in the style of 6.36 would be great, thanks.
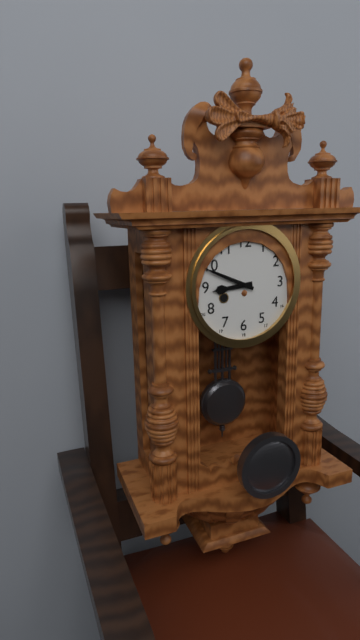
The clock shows 8.49
